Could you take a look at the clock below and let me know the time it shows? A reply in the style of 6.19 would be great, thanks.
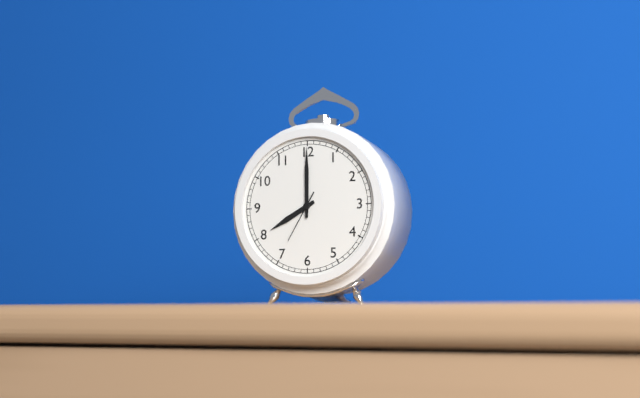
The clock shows 8.00
